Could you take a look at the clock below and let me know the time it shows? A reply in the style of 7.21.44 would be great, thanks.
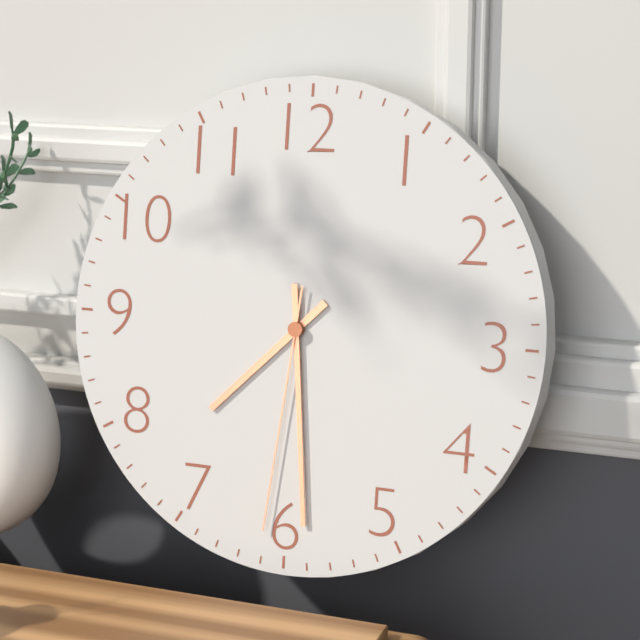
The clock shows 7.29.31
